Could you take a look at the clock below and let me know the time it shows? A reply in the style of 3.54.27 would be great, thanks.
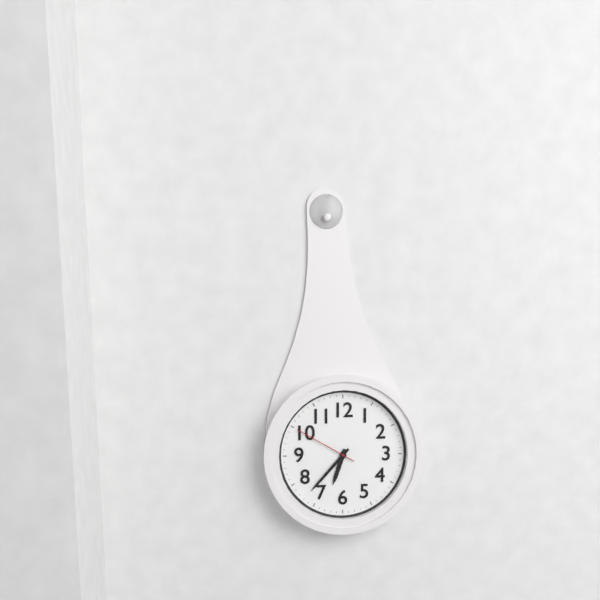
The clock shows 6.37.50
